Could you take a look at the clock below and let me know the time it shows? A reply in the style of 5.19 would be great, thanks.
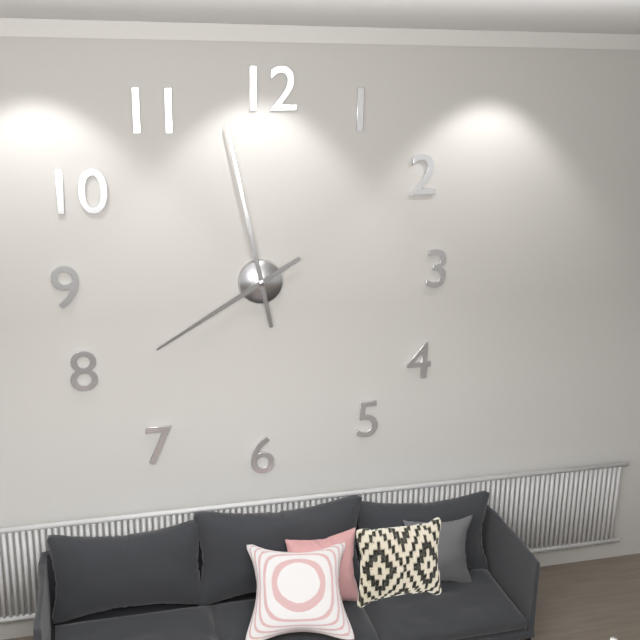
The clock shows 7.58
